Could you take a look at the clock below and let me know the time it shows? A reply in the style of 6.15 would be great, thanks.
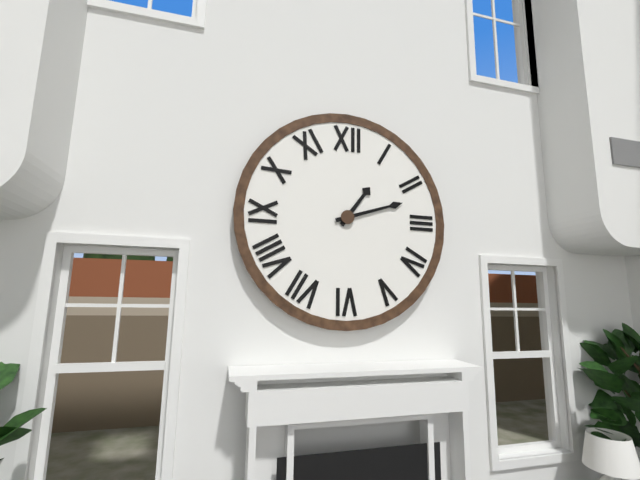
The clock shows 1.12
